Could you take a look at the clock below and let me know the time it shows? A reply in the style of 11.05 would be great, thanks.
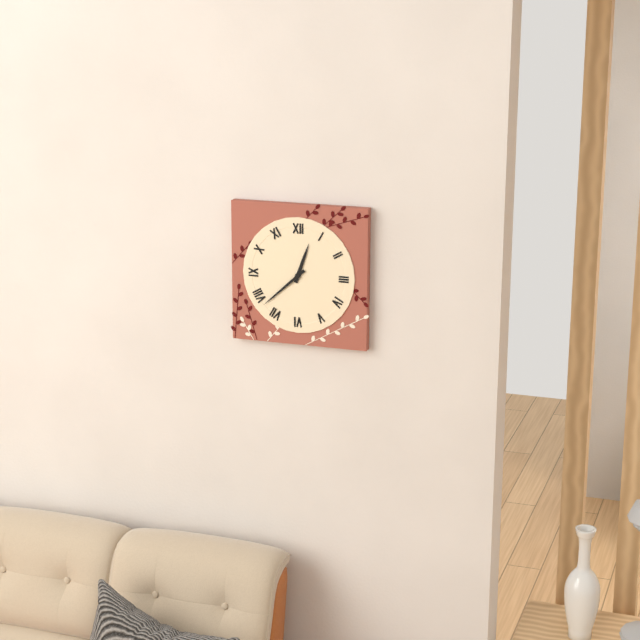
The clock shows 12.38
